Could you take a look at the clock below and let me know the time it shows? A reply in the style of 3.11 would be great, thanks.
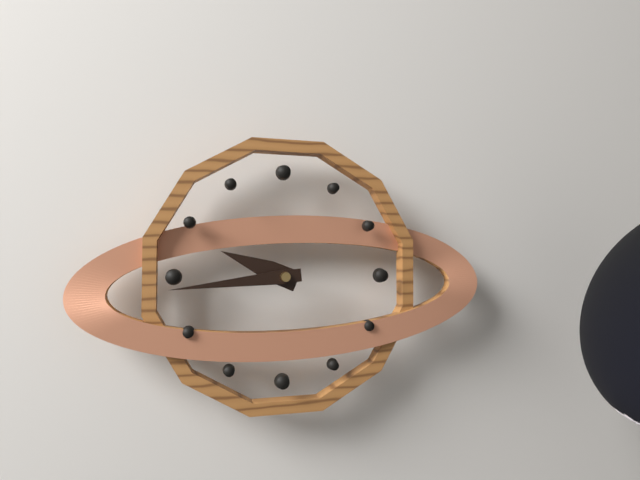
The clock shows 9.44
